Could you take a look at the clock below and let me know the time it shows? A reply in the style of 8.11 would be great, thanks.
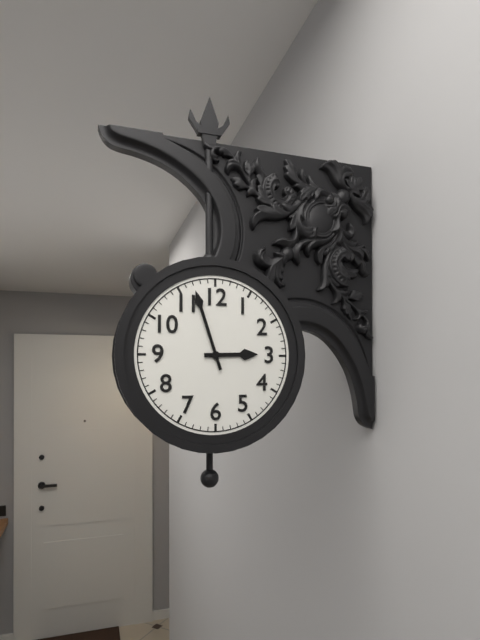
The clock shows 2.57
